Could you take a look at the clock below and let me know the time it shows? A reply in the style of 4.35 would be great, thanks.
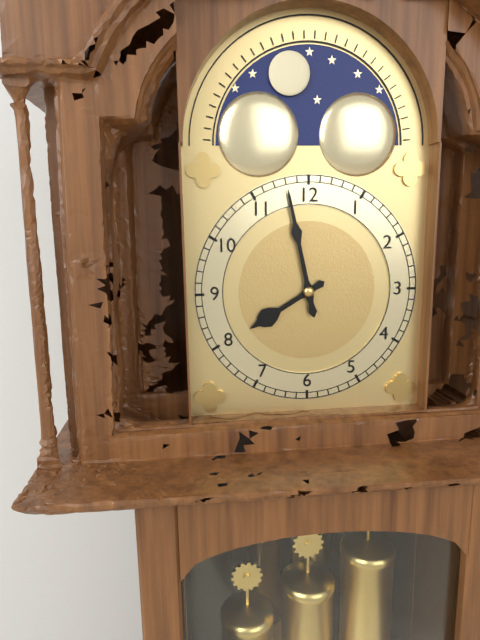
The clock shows 7.58
